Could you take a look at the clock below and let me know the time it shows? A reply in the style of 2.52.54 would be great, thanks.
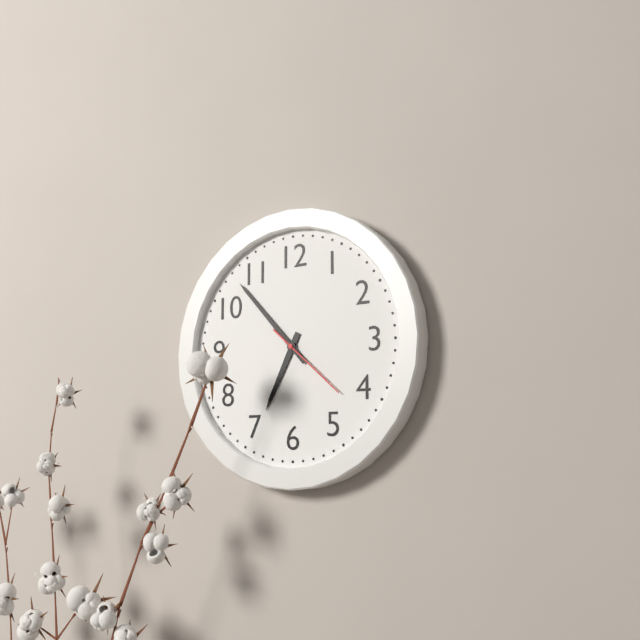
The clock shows 6.53.22
